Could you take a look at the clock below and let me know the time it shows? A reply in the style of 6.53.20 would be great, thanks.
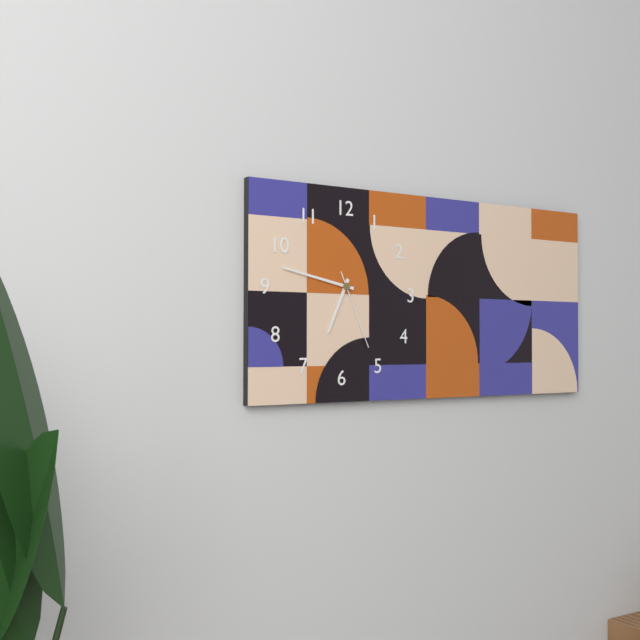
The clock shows 6.47.26
